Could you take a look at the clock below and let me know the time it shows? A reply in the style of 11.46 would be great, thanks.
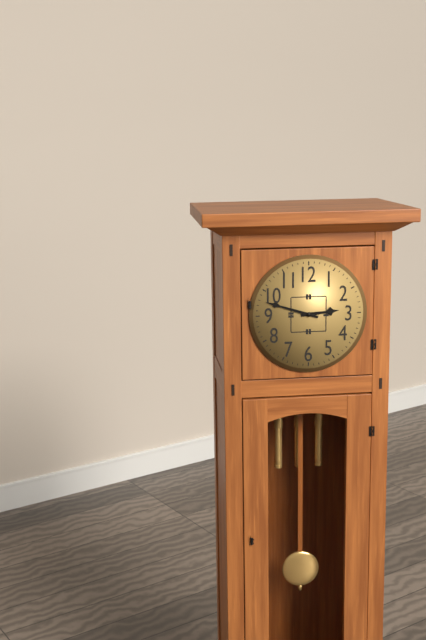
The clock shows 2.48
